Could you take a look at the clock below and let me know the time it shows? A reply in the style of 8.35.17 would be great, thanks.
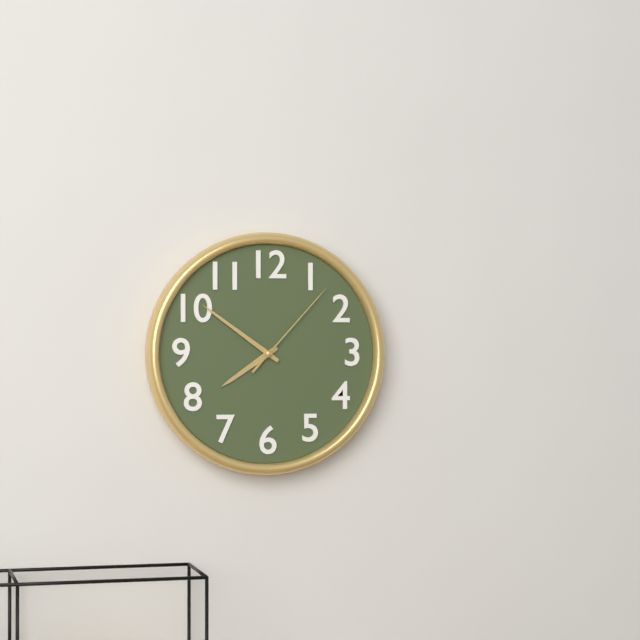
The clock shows 7.51.07
